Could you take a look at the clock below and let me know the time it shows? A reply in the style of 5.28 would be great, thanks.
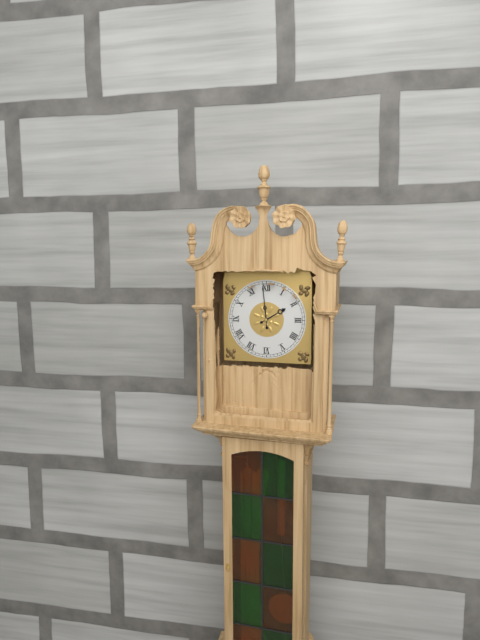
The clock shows 1.59
